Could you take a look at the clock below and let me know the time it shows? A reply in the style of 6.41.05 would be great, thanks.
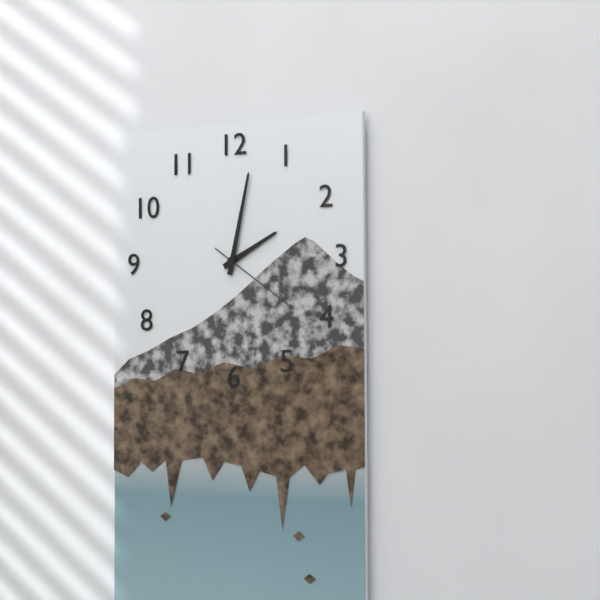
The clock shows 2.02.21
